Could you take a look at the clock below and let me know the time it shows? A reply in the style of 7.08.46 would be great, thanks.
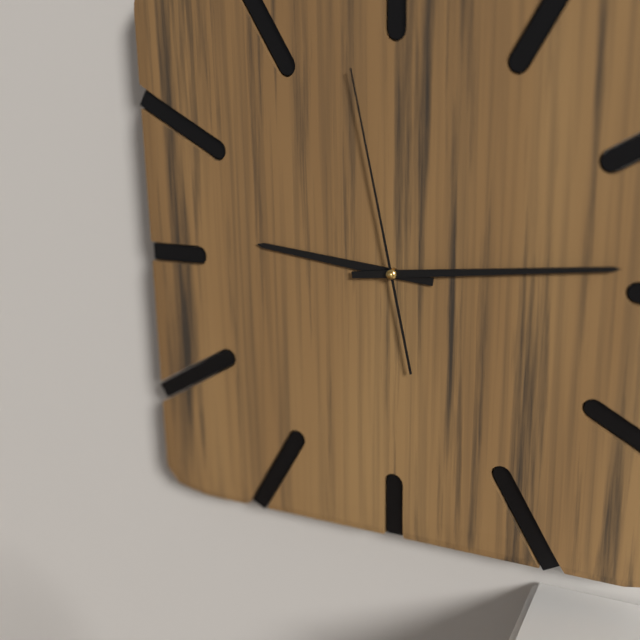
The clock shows 9.14.58
